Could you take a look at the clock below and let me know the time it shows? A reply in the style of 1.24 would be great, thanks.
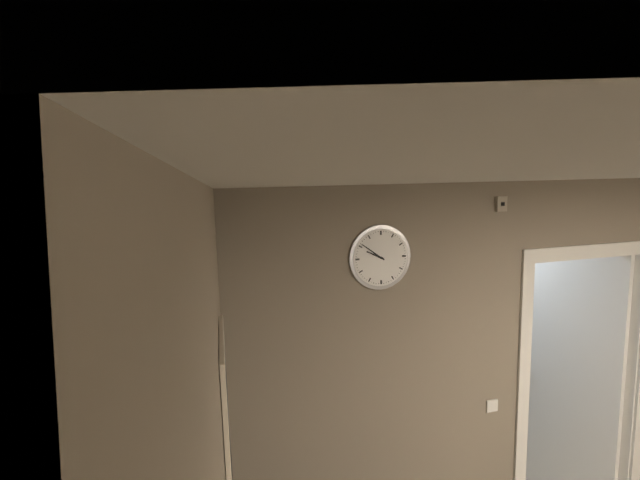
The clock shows 9.51
